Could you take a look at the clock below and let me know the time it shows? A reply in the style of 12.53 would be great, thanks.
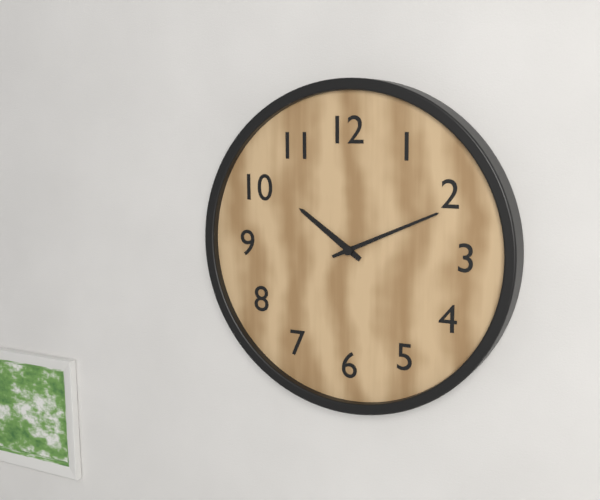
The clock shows 10.11
